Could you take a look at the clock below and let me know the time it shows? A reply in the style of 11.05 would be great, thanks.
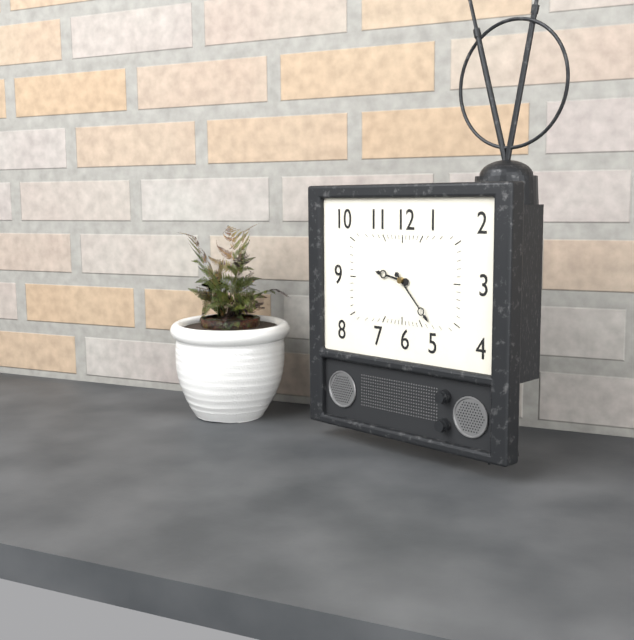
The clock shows 9.23
